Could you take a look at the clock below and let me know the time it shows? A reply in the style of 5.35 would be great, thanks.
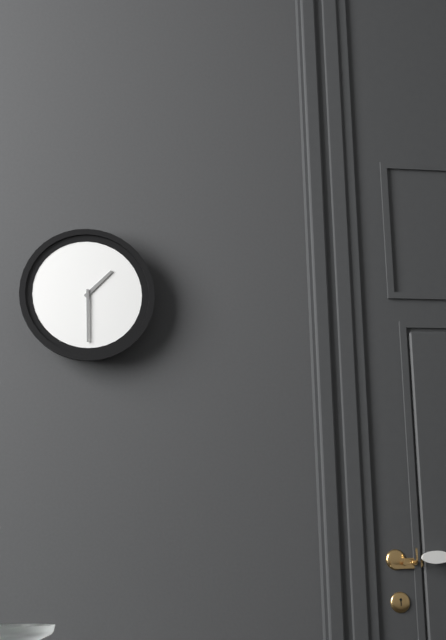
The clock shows 1.30
